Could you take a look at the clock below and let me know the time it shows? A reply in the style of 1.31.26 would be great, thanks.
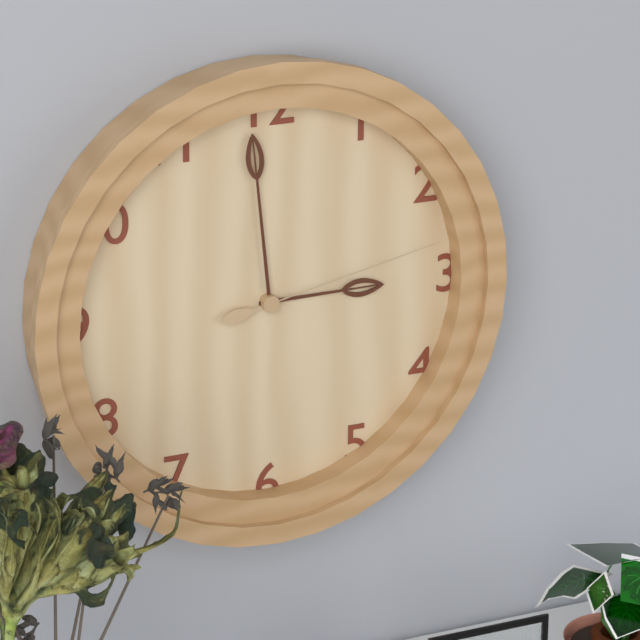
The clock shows 2.59.13
